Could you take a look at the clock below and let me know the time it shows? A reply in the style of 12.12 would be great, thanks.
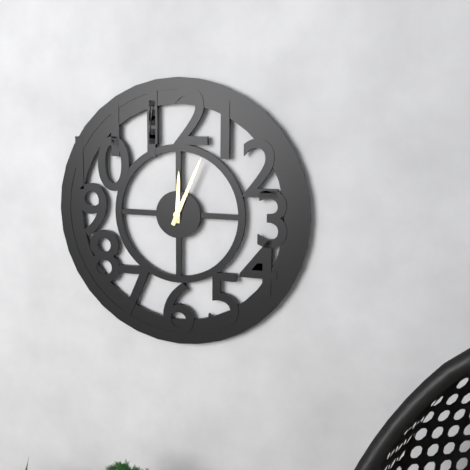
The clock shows 12.04
